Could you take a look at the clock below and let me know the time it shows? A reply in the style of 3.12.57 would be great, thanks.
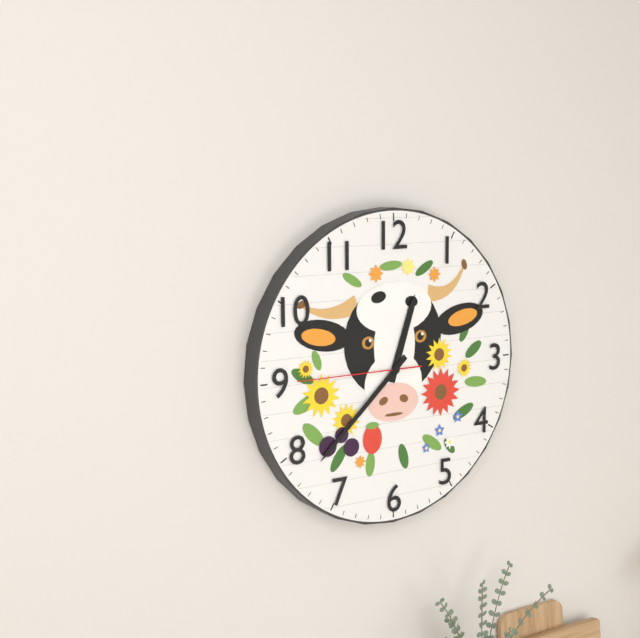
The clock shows 12.38.45
